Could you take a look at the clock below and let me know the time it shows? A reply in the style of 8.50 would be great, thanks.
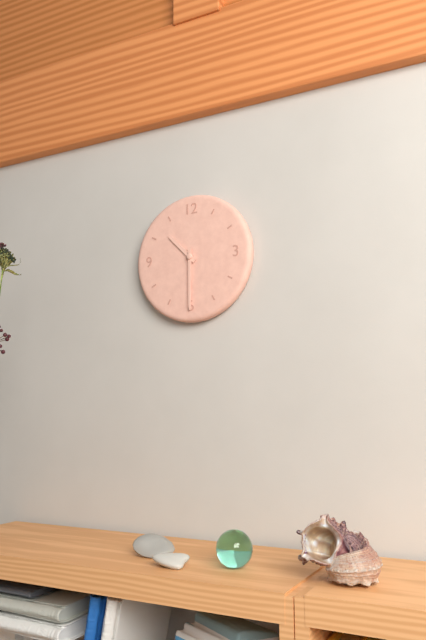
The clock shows 10.30
